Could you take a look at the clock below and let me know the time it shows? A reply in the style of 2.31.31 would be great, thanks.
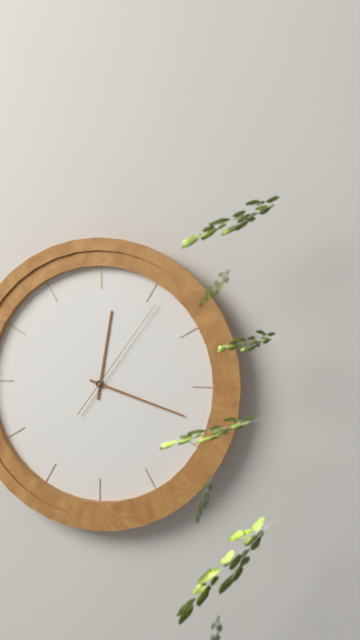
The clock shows 12.18.06
